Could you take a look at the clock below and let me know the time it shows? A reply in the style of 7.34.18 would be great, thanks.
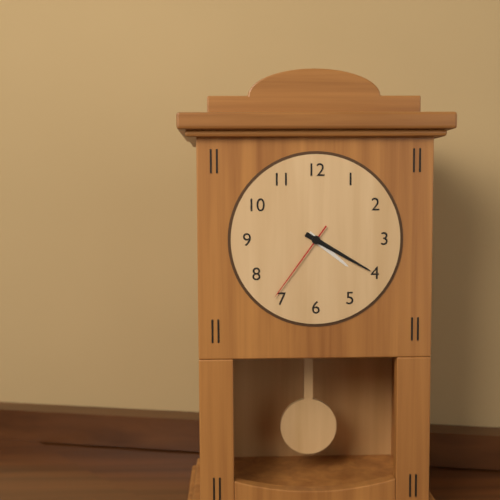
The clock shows 4.20.36
